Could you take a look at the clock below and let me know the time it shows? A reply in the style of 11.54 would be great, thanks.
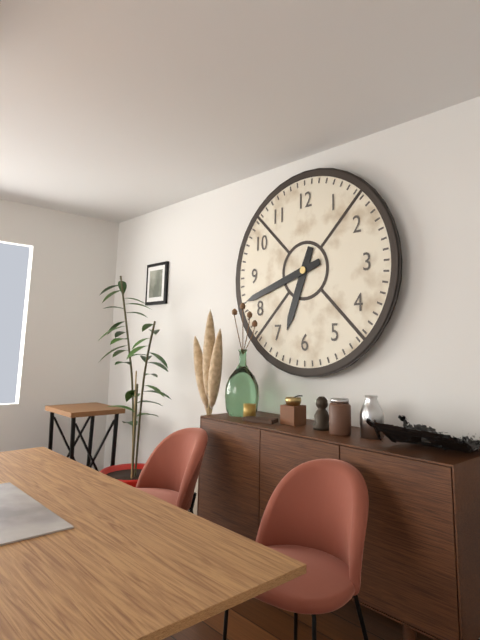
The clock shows 6.42
